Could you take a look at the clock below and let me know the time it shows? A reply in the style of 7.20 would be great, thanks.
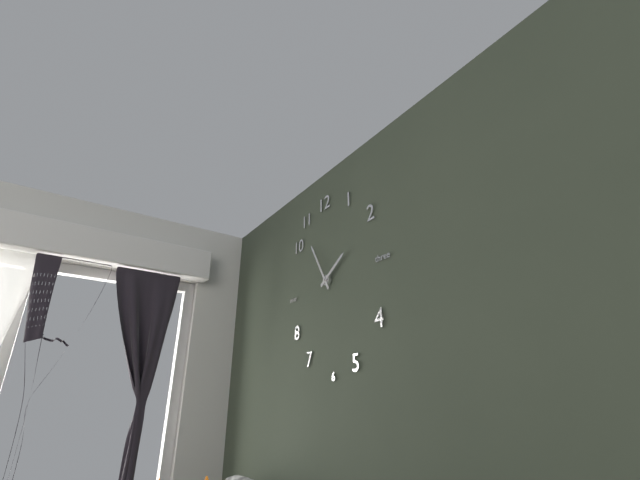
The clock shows 1.55
